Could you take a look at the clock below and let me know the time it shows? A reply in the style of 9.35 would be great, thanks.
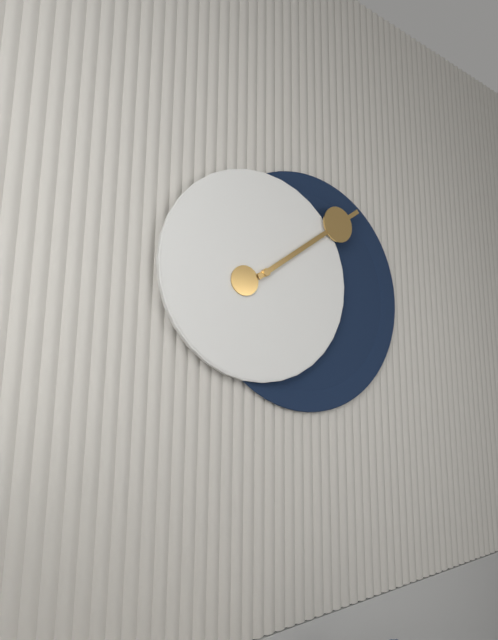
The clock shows 8.09
